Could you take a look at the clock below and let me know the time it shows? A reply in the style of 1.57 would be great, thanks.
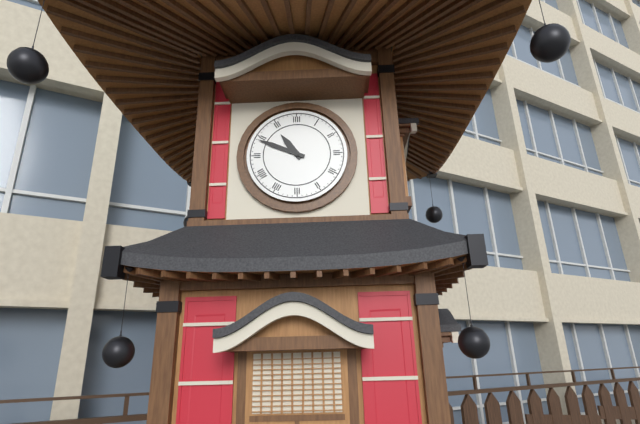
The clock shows 10.49
